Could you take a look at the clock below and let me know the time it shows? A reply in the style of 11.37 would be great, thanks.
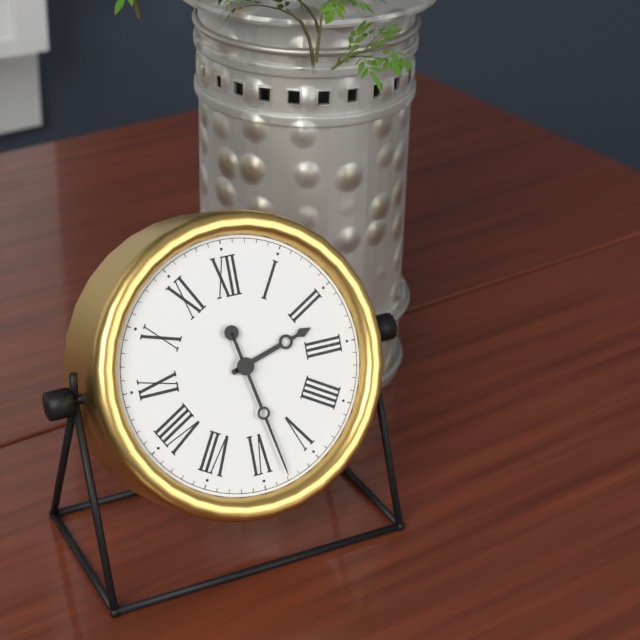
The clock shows 2.28
